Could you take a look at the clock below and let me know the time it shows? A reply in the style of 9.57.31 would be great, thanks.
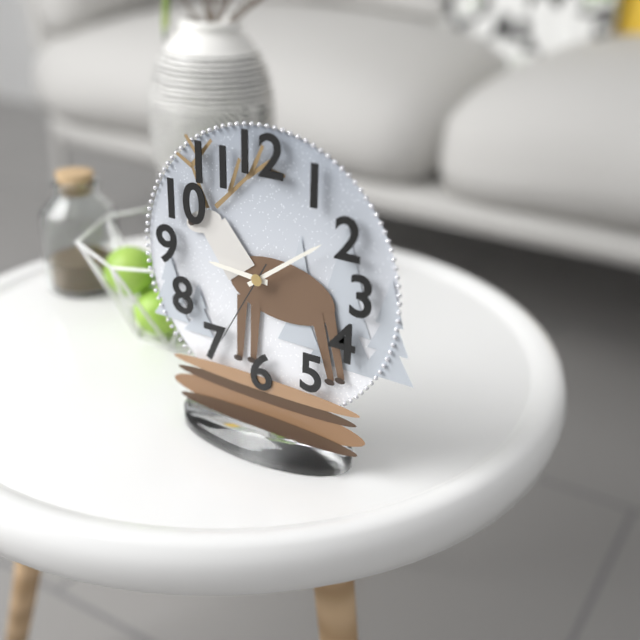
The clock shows 9.09.35
